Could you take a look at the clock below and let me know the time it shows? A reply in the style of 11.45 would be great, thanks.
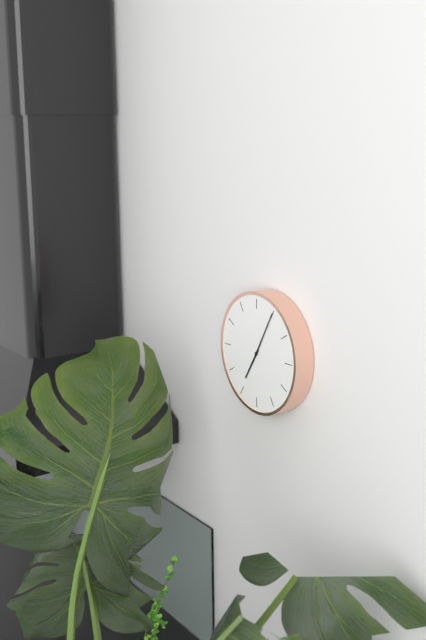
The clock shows 7.05
